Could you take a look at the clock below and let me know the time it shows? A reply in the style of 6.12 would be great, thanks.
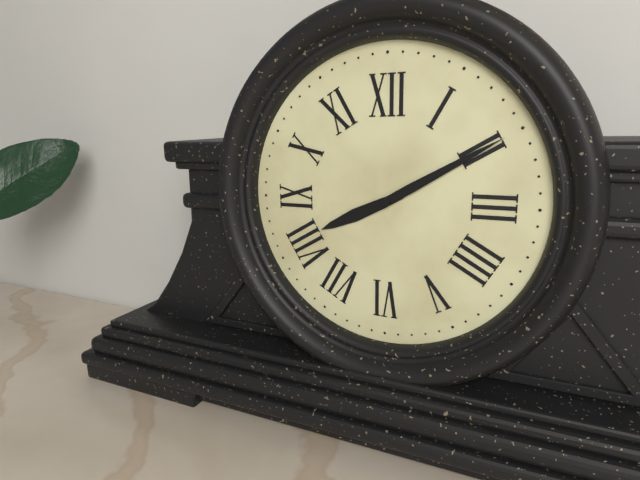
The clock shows 8.10
